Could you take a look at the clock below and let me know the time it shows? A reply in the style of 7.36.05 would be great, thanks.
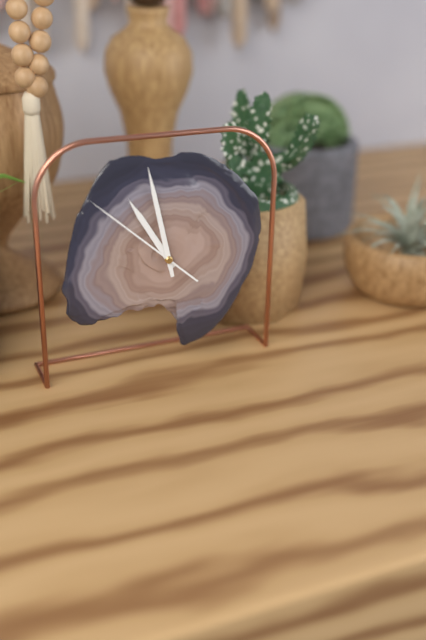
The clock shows 10.58.52
